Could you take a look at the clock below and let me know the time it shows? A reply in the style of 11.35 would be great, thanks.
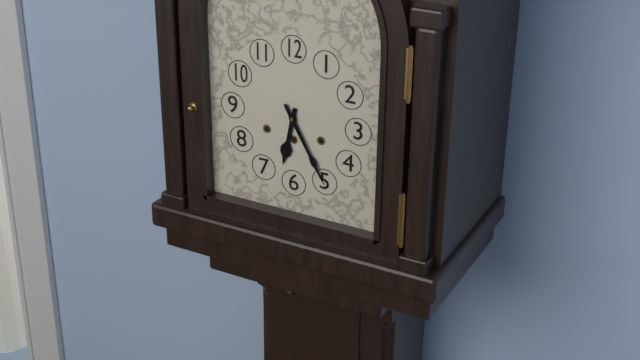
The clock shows 6.25
